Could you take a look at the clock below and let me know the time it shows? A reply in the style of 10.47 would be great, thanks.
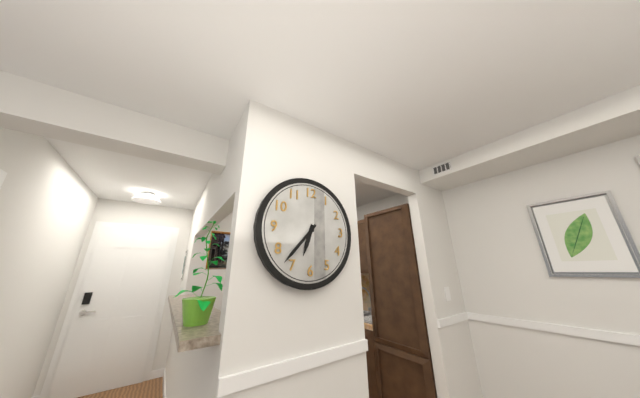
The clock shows 6.37
